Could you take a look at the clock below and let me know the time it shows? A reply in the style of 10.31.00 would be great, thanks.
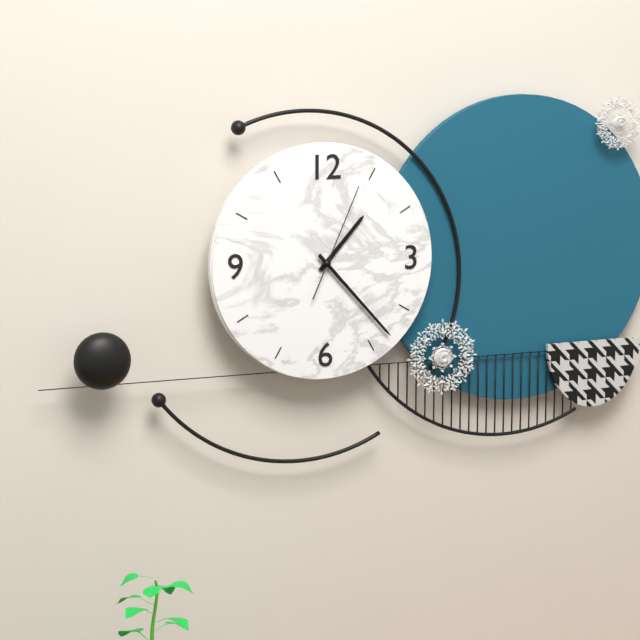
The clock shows 1.23.04
